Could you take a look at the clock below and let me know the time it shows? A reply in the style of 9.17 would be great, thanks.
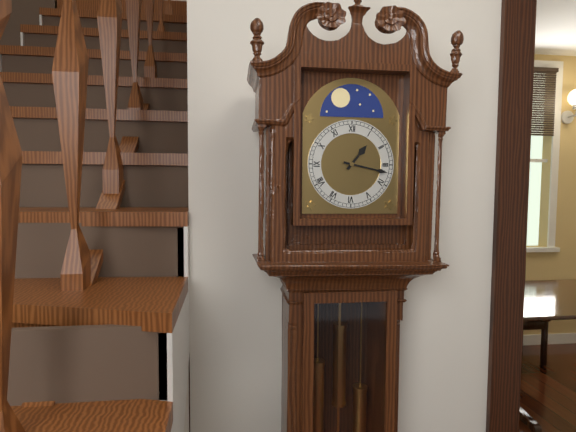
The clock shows 1.17
